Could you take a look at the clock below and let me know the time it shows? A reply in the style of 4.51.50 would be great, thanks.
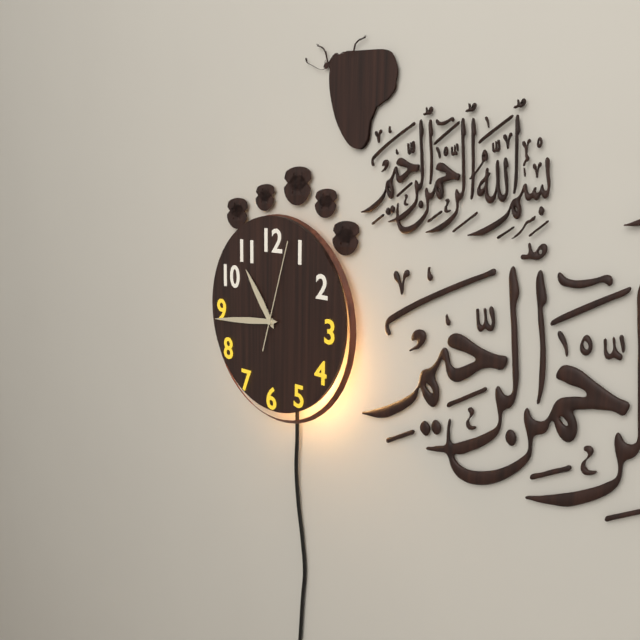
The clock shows 10.44.03
